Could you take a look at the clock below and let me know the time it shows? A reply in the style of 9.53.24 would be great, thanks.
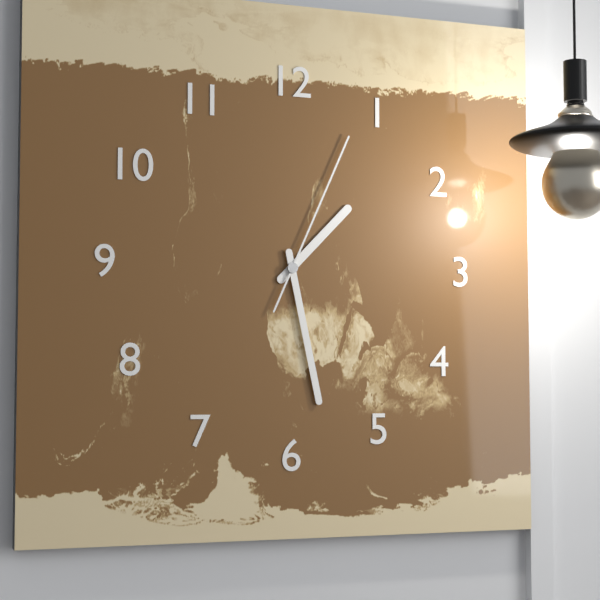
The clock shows 1.28.04
